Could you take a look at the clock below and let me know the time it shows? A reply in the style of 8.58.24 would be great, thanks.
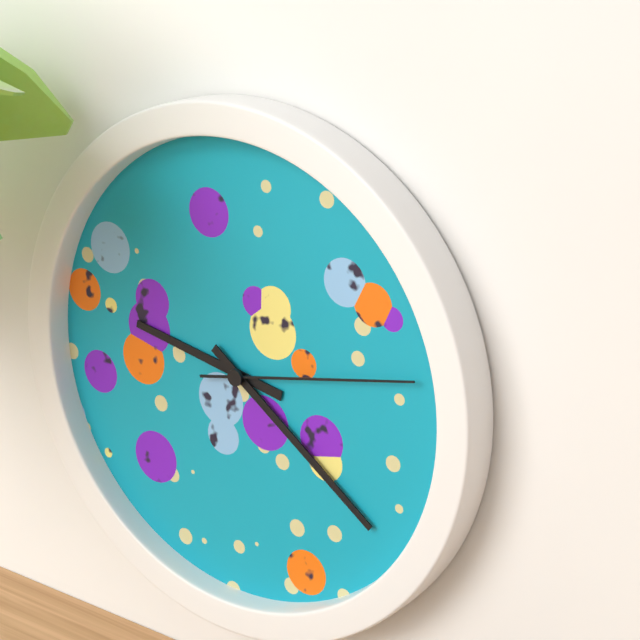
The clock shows 9.21.13
